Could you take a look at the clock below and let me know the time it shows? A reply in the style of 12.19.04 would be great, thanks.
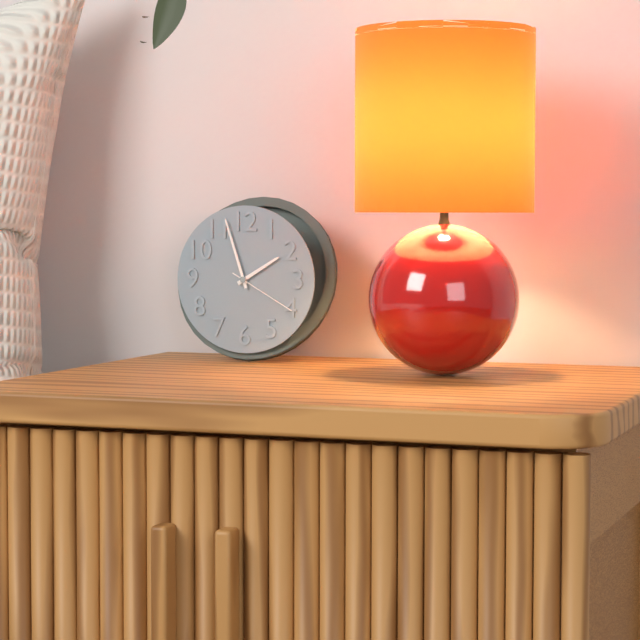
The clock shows 1.57.20
